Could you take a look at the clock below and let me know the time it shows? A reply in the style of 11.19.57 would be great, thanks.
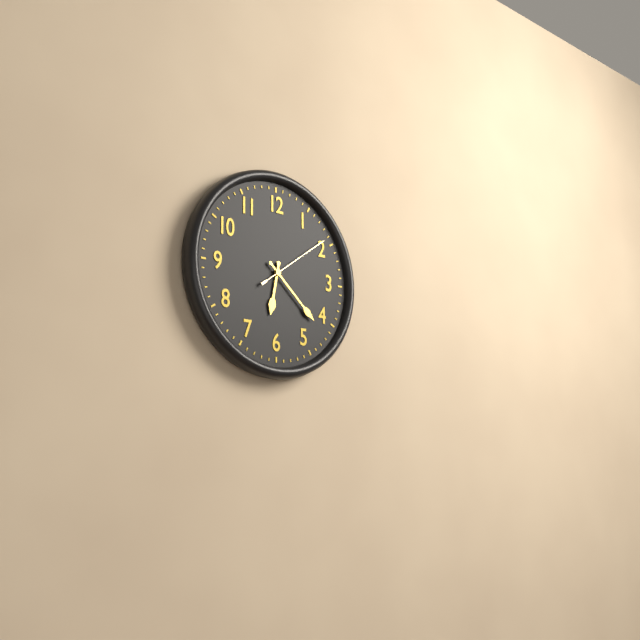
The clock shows 6.22.09
